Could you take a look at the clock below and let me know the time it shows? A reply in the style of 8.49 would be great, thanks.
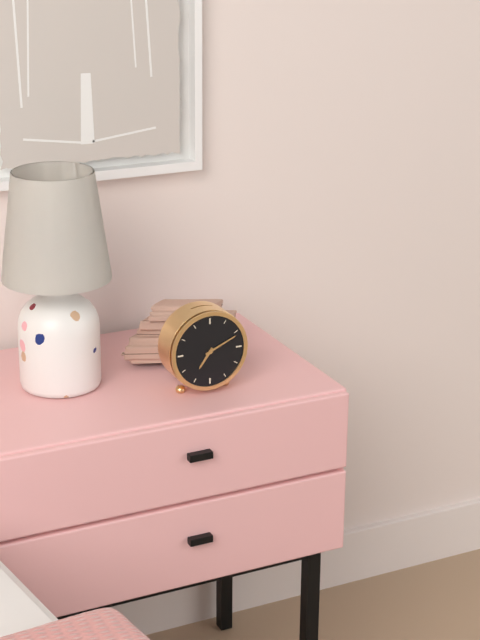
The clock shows 7.11
